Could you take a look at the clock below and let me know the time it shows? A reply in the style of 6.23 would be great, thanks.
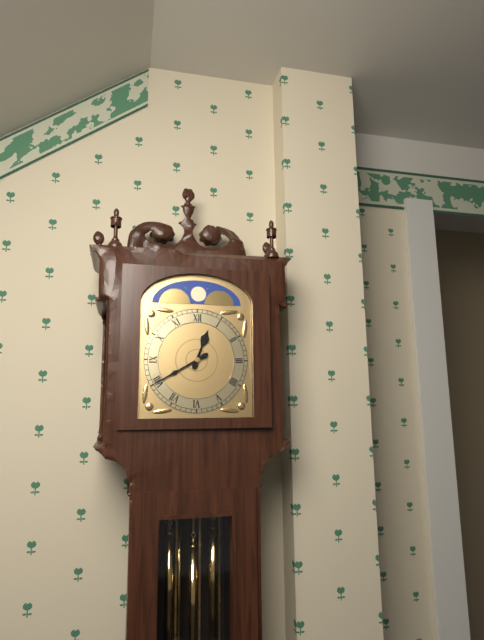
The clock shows 12.40
